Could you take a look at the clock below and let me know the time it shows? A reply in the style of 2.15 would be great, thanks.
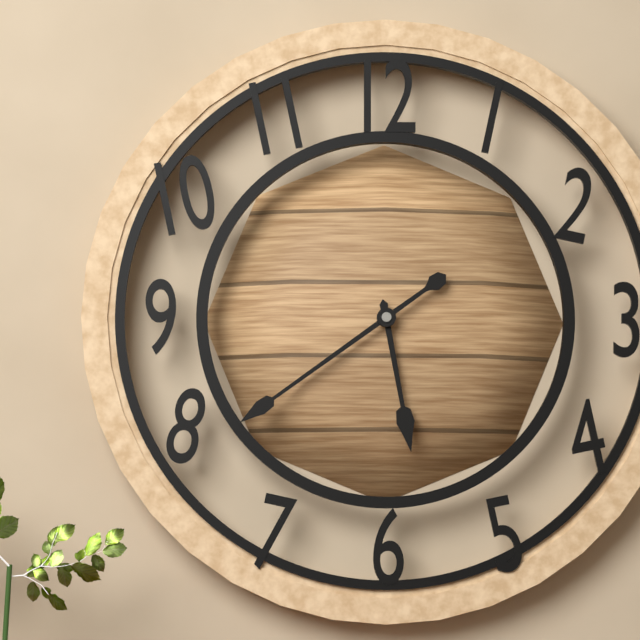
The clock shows 5.39
